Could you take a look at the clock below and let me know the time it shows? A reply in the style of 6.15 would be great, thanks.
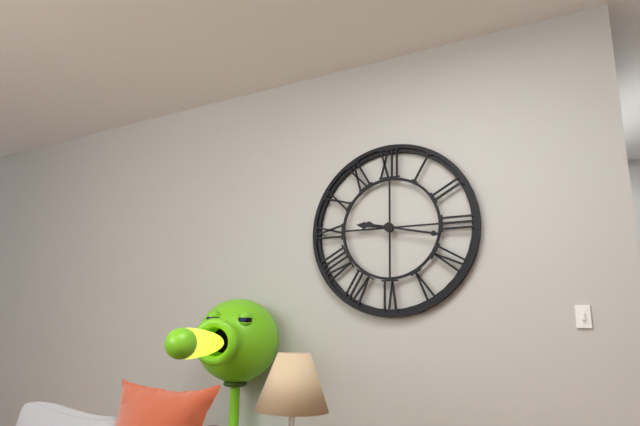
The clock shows 9.17
